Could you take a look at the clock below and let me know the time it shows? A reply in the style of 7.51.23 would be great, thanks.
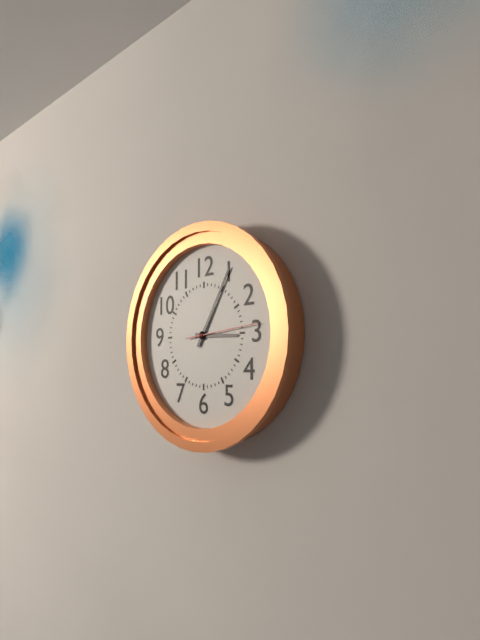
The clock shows 3.05.14
